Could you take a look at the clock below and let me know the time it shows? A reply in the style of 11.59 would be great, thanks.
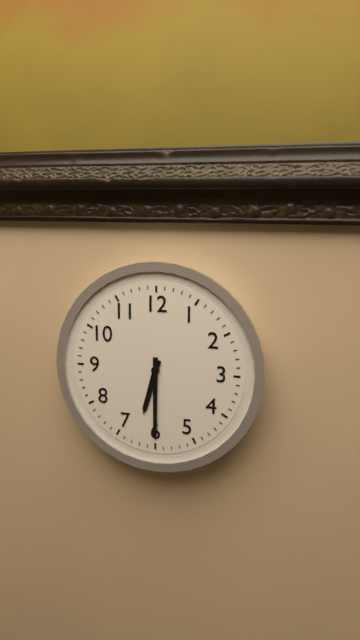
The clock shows 6.30
